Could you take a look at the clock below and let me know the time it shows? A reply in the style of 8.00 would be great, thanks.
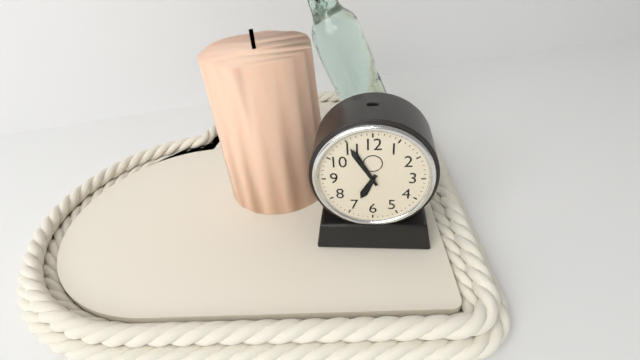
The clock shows 6.55
